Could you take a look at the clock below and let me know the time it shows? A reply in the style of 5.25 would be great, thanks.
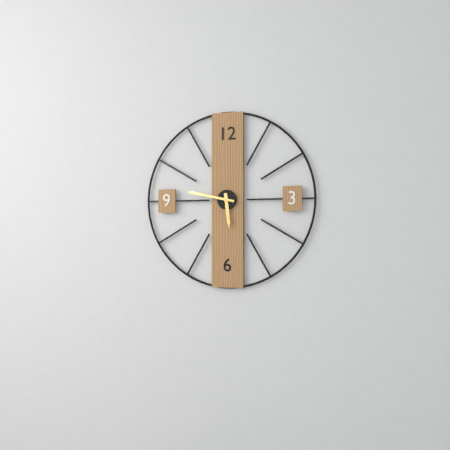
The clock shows 5.47
